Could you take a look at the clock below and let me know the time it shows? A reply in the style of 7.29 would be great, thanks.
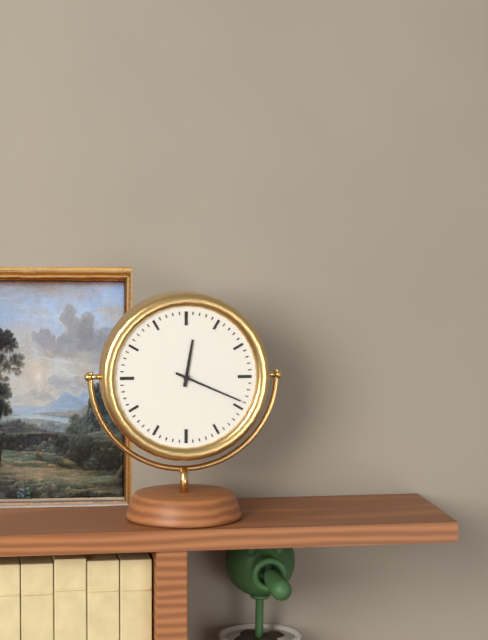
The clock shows 12.19
